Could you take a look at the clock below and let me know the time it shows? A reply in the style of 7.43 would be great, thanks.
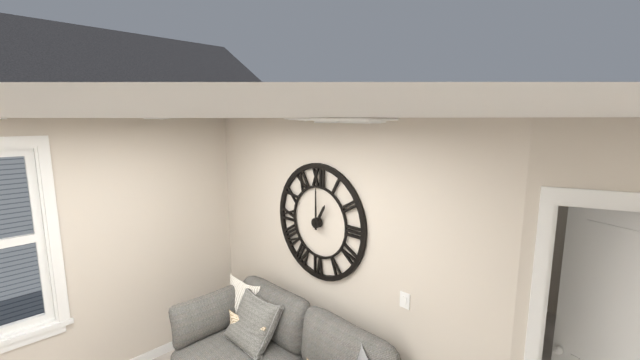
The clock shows 1.00
